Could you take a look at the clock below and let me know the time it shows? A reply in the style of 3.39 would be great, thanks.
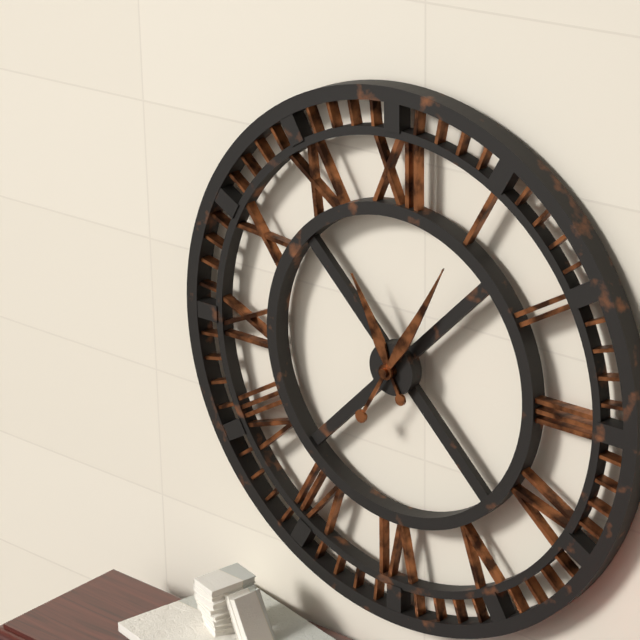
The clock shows 11.05
